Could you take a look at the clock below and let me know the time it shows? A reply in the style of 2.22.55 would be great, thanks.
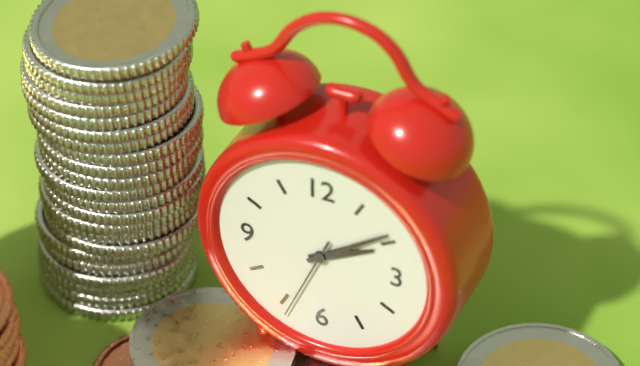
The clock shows 2.09.34
